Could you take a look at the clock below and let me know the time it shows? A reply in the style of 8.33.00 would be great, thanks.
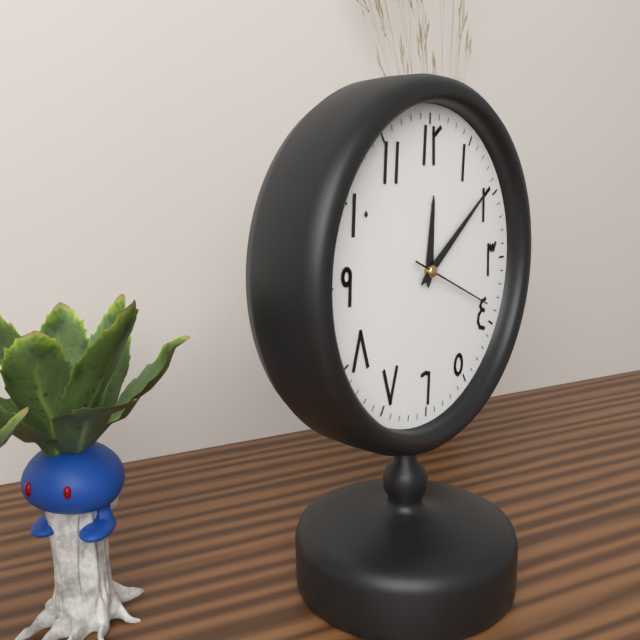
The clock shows 12.09.19
